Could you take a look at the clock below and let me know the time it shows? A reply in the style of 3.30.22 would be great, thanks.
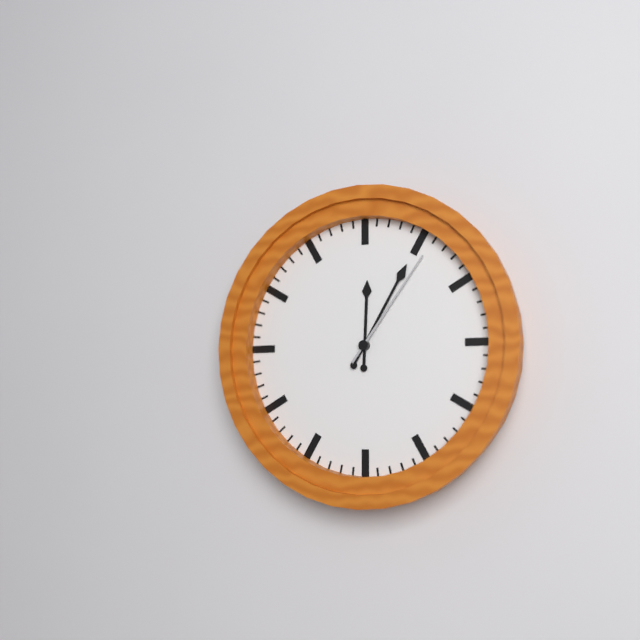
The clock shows 12.05.06
